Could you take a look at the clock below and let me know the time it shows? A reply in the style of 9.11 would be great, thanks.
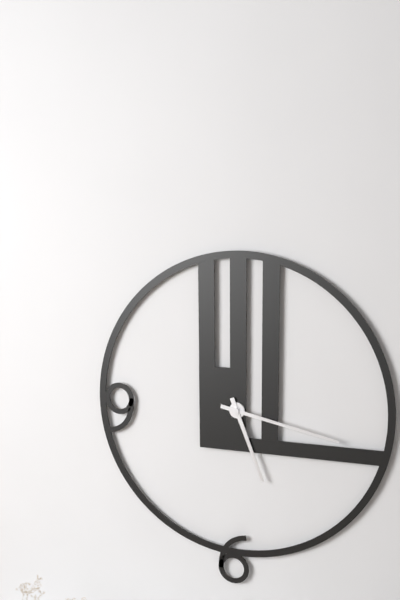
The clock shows 5.17
